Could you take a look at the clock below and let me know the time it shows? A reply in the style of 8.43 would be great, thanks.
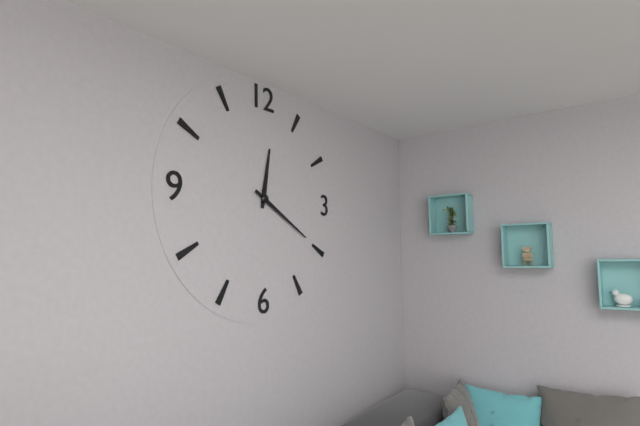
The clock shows 12.20
